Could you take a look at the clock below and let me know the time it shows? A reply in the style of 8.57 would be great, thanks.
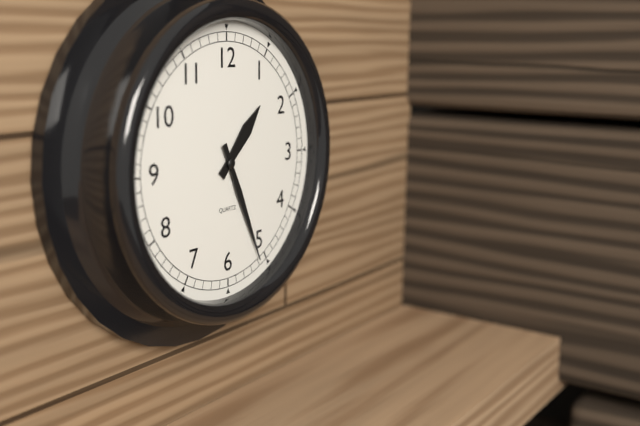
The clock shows 1.26
